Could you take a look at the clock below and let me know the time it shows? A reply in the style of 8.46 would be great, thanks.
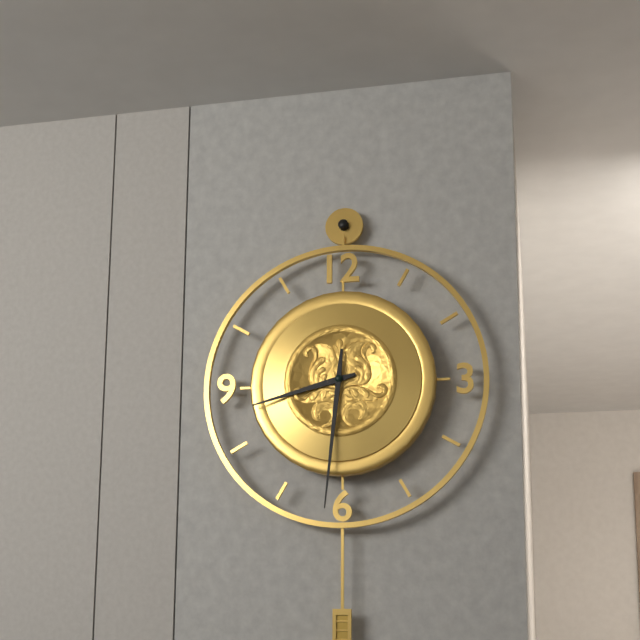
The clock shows 8.31
